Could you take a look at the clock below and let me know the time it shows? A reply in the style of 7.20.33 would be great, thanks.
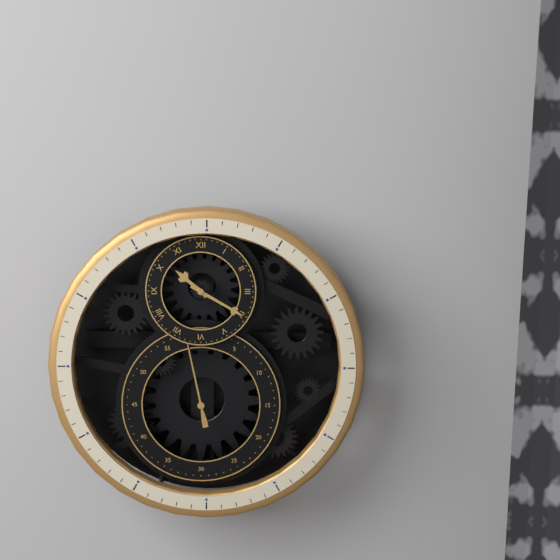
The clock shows 10.20.58
